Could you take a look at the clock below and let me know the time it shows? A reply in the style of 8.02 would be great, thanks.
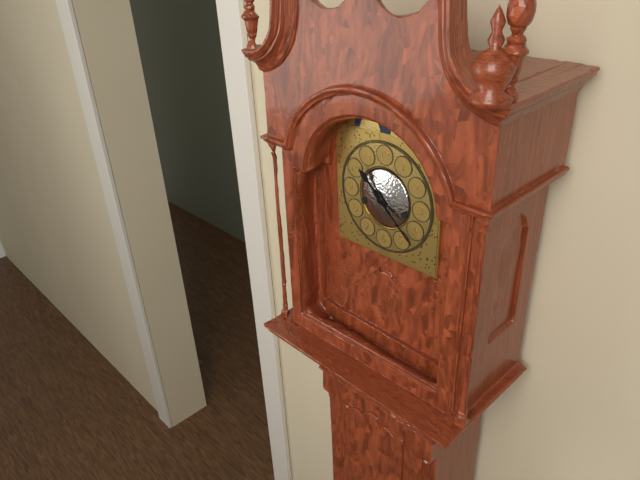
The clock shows 10.22
